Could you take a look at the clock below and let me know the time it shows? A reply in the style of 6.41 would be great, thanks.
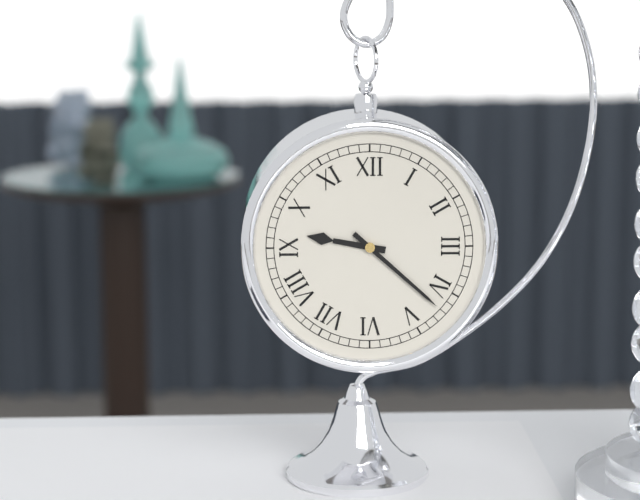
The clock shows 9.22
